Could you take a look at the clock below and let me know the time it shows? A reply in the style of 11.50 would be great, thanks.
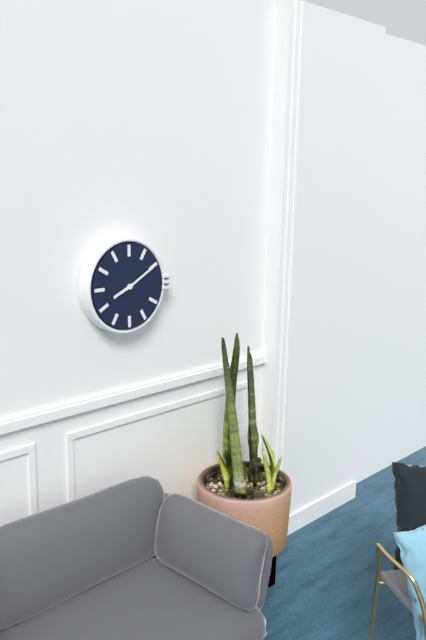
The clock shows 8.10
